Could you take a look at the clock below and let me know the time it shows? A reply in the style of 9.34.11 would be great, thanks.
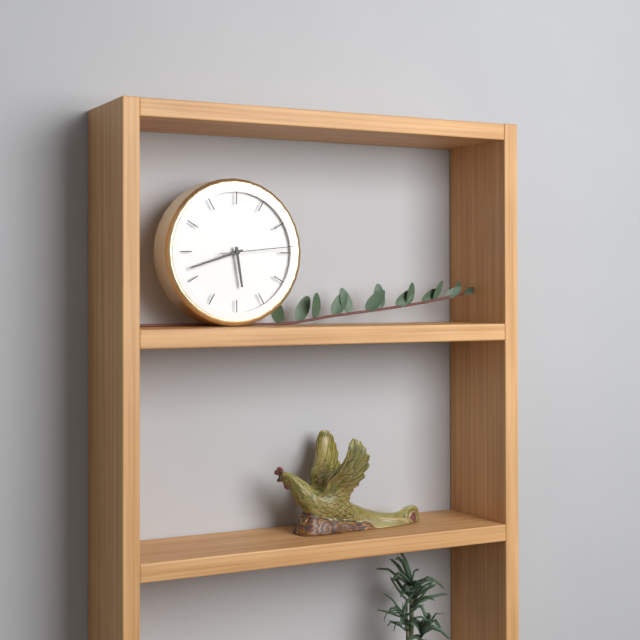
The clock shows 5.42.14
